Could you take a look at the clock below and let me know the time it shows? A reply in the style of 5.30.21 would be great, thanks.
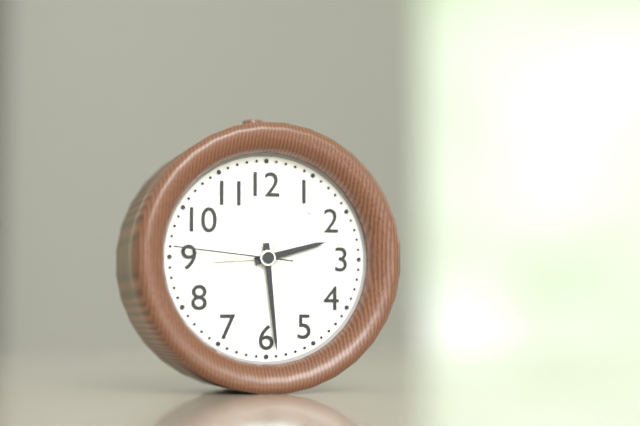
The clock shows 2.29.46
